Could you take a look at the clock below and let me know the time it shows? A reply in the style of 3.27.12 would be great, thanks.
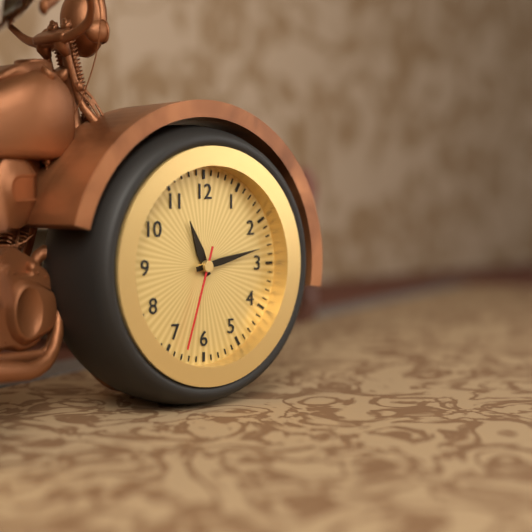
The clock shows 11.13.33
